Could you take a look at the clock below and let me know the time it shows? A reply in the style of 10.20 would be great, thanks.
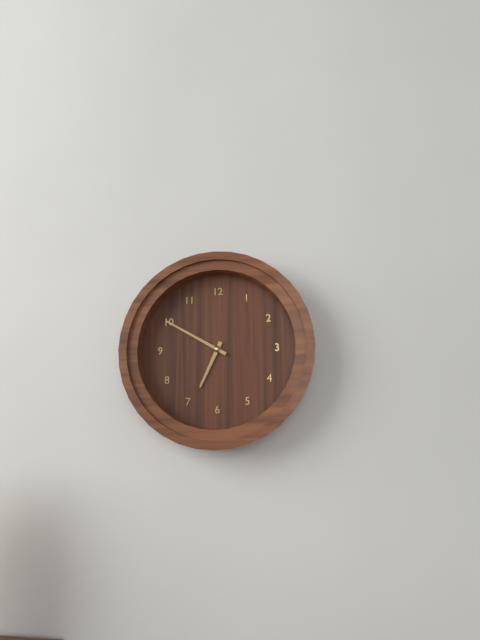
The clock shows 6.50
